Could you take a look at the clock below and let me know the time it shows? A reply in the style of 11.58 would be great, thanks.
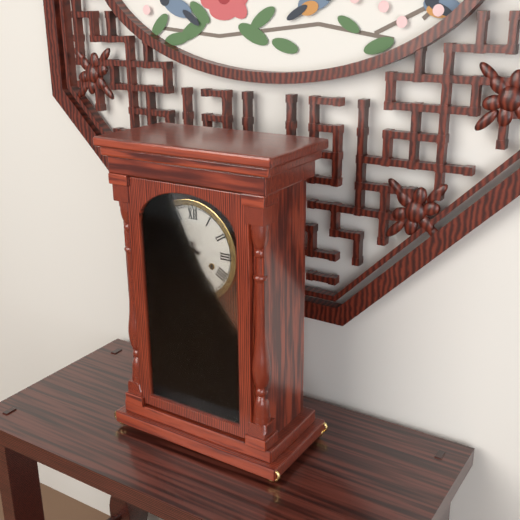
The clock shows 9.29
